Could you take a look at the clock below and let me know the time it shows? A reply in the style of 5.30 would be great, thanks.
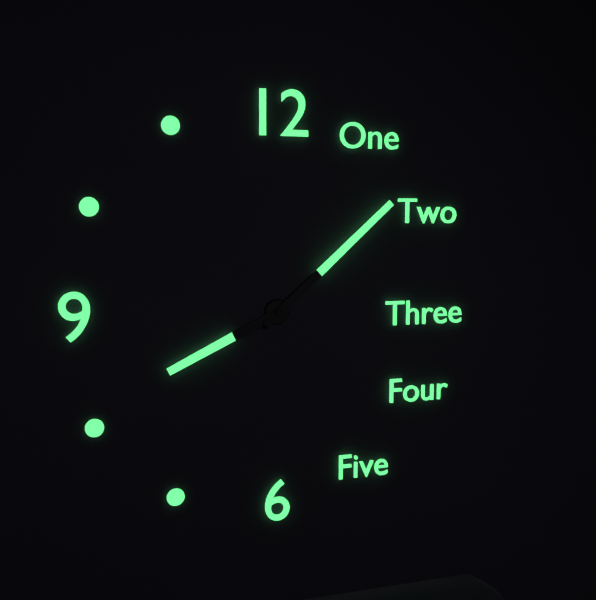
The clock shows 8.08
